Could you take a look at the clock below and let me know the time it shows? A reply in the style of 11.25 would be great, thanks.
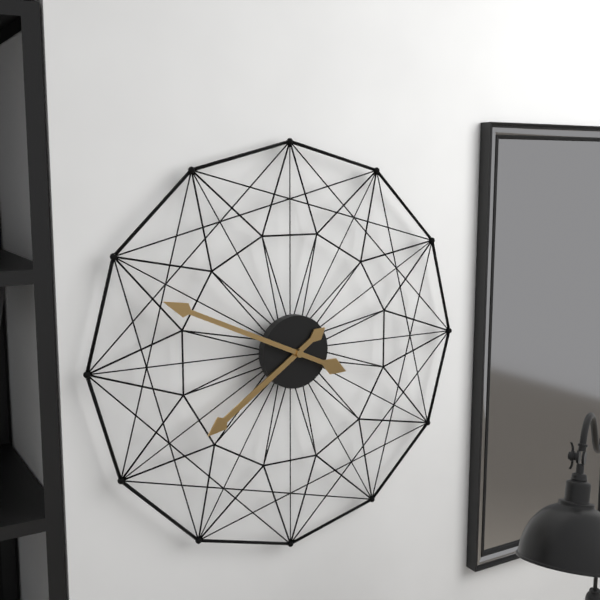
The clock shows 7.49
